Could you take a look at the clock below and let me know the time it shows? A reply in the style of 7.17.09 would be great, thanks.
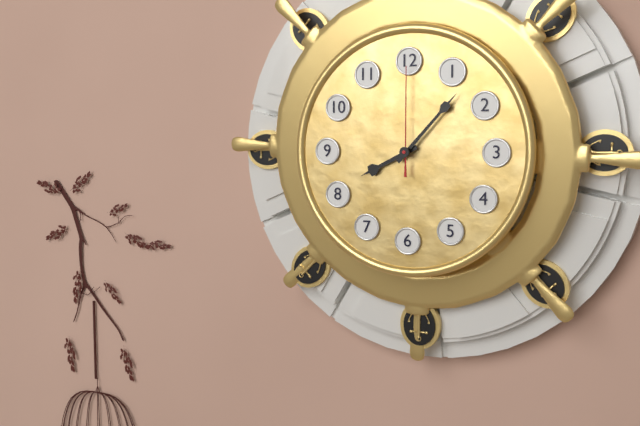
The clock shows 8.07.00
